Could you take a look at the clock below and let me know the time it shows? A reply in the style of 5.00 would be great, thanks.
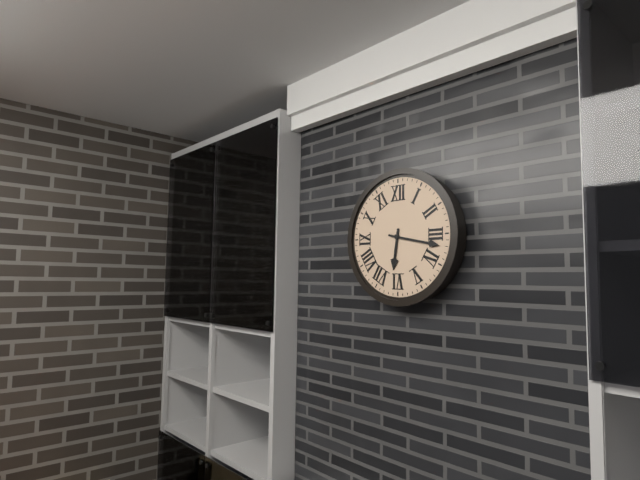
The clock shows 6.17
